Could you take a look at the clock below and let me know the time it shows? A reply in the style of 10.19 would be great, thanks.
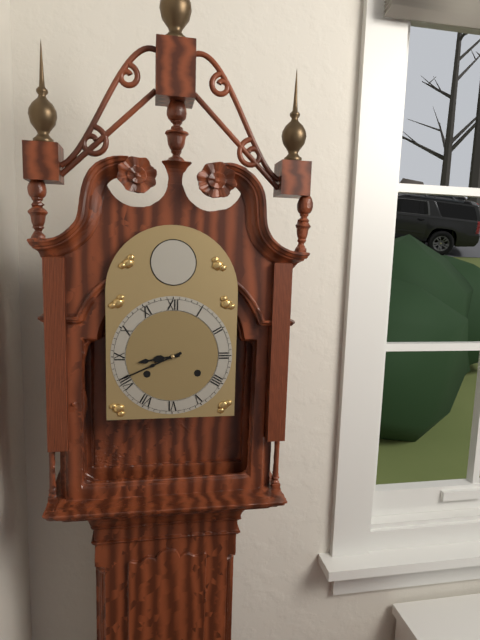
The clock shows 8.41
